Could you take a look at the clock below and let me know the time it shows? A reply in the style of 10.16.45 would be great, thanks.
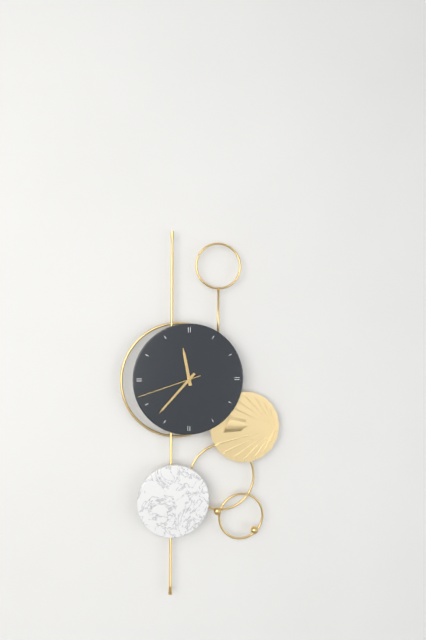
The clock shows 11.37.42
